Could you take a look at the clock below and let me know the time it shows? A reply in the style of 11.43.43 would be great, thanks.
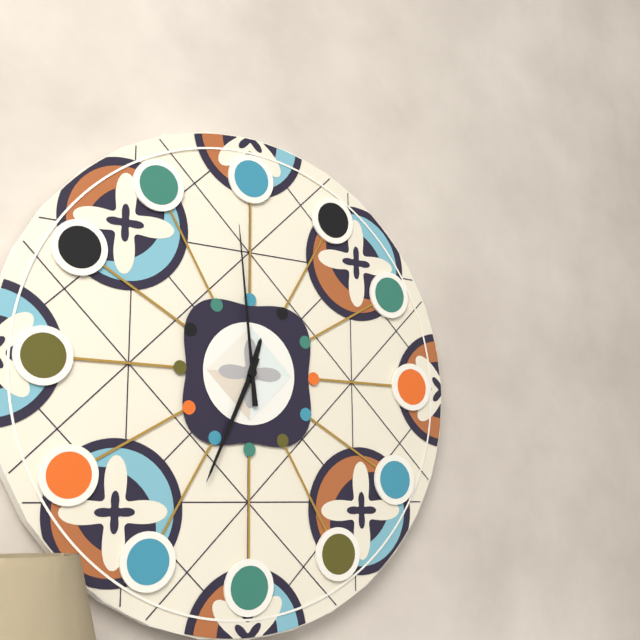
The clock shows 12.34.59
